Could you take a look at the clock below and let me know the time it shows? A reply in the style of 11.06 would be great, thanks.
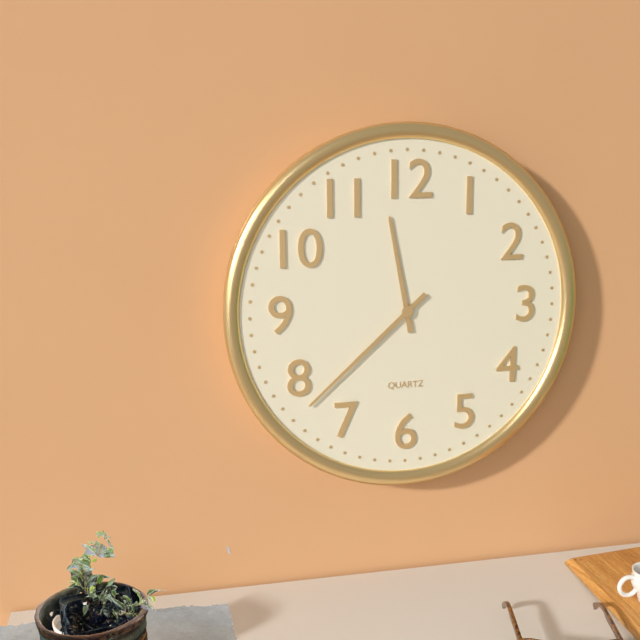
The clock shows 11.38
